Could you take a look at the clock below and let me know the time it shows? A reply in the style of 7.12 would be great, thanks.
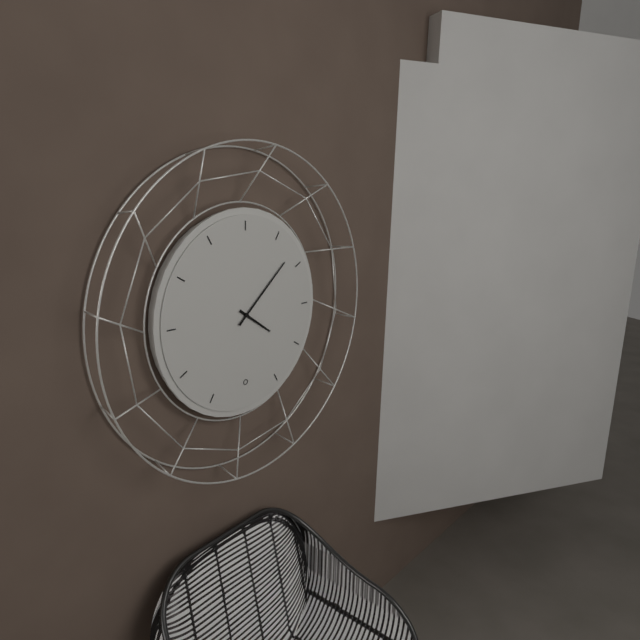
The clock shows 4.08
